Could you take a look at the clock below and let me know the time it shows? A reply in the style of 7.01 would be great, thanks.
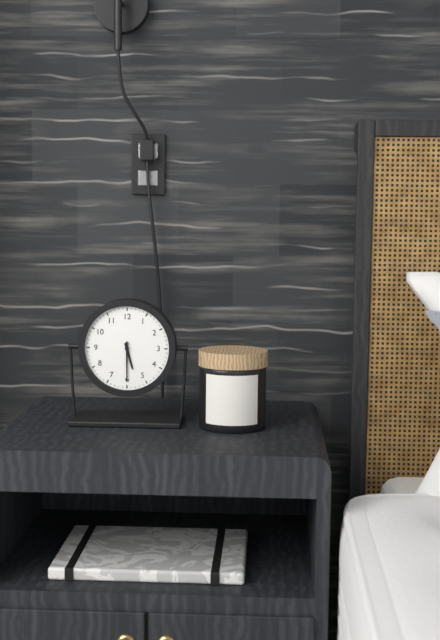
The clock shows 5.30
